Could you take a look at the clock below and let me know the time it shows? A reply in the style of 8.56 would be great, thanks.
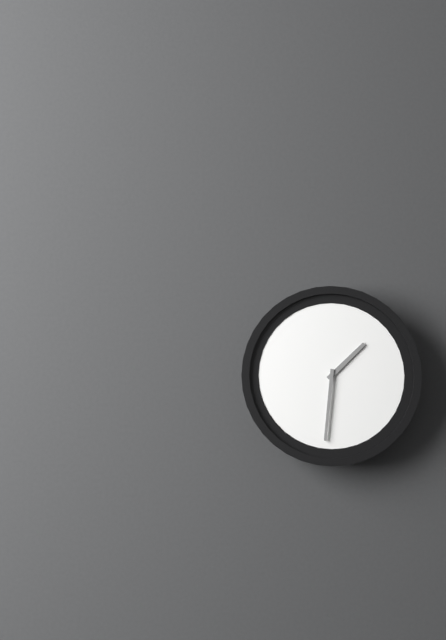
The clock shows 1.31
